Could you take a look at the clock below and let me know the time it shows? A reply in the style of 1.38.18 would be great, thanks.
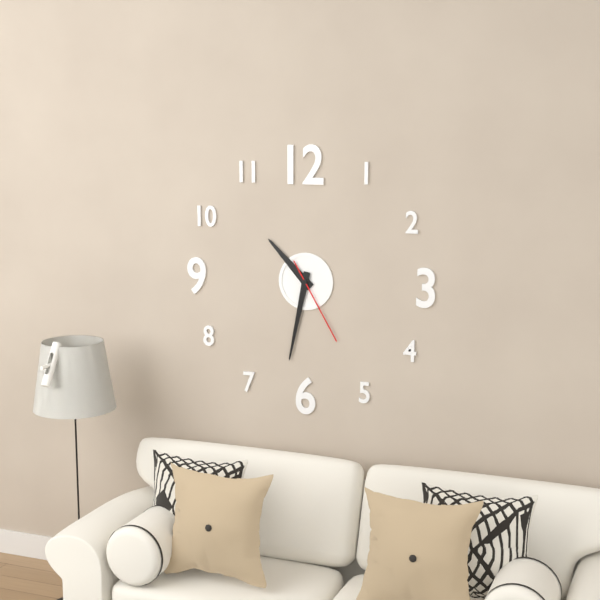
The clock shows 10.32.25
